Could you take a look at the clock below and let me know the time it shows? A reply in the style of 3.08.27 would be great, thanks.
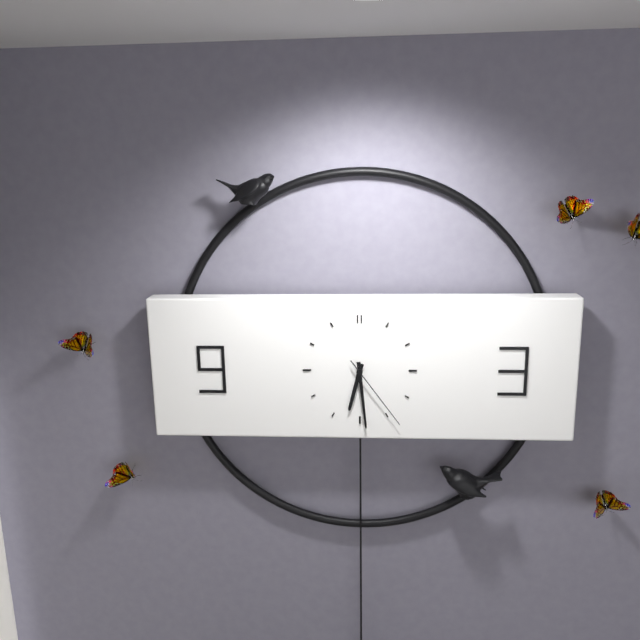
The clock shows 6.29.24
